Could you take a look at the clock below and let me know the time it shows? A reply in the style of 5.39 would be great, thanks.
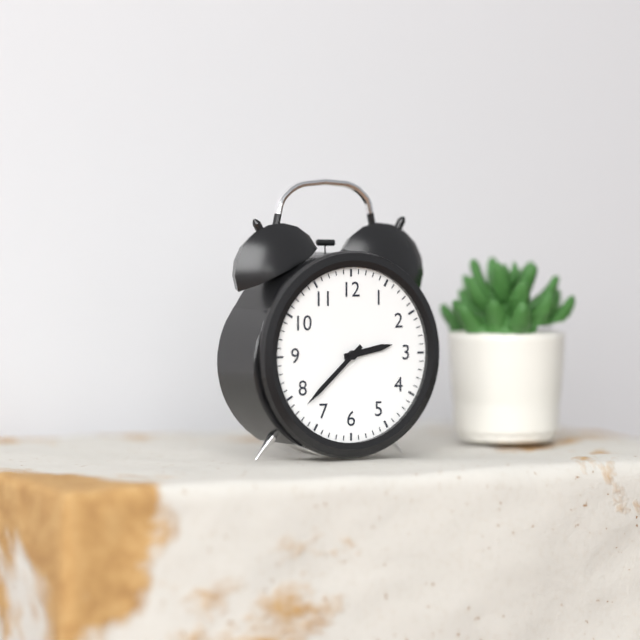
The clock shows 2.38
